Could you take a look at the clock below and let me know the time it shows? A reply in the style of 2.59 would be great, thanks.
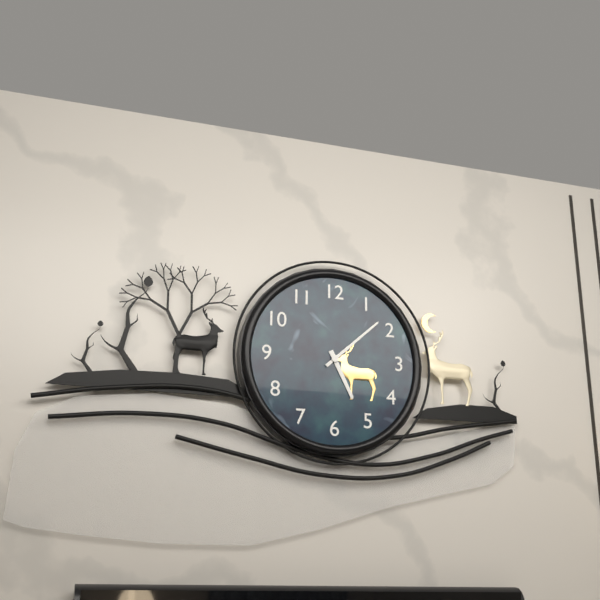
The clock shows 5.08
